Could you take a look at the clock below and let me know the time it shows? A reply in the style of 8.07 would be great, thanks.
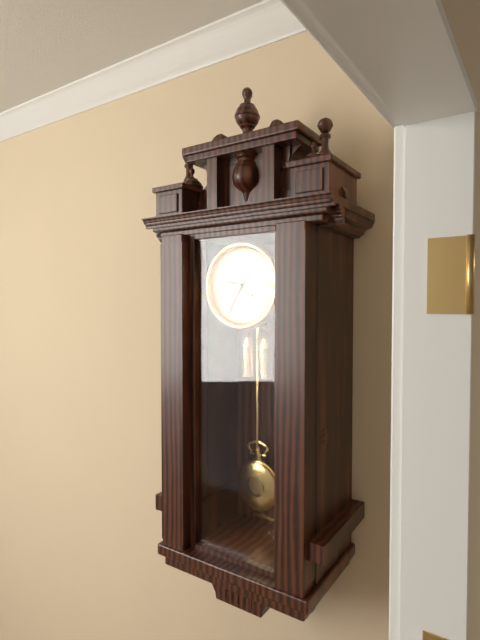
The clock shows 9.35
